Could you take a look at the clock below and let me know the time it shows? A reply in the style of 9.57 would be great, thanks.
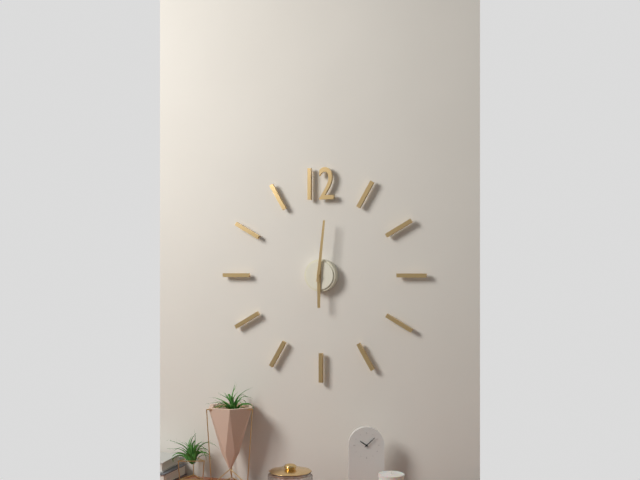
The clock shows 6.01
